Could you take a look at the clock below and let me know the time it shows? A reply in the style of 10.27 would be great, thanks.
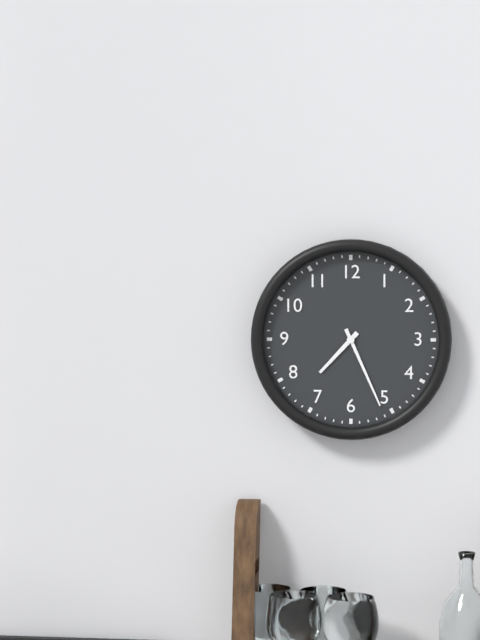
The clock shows 7.26
